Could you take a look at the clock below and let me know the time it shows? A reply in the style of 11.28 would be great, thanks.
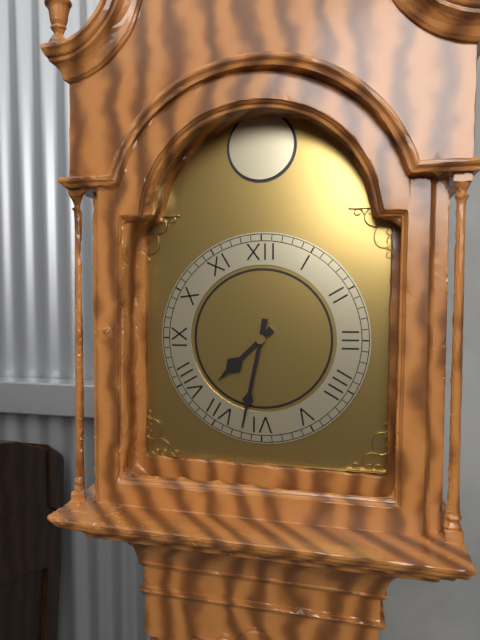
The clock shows 7.32
